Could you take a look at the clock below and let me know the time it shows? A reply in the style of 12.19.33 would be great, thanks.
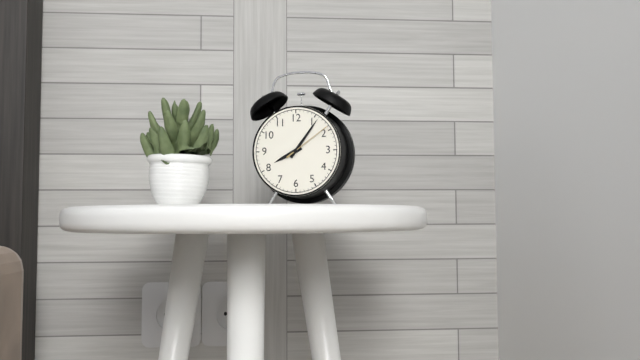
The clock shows 8.06.09
